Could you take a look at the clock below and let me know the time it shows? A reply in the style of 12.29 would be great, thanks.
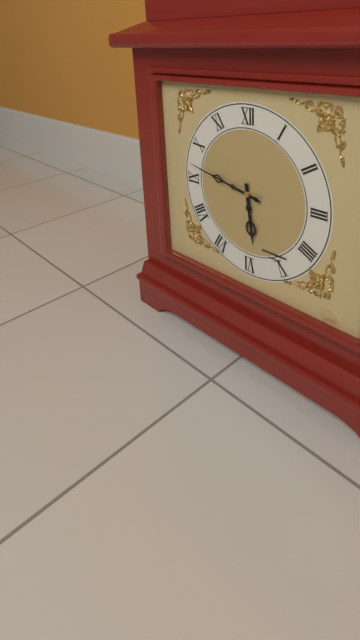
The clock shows 5.47
